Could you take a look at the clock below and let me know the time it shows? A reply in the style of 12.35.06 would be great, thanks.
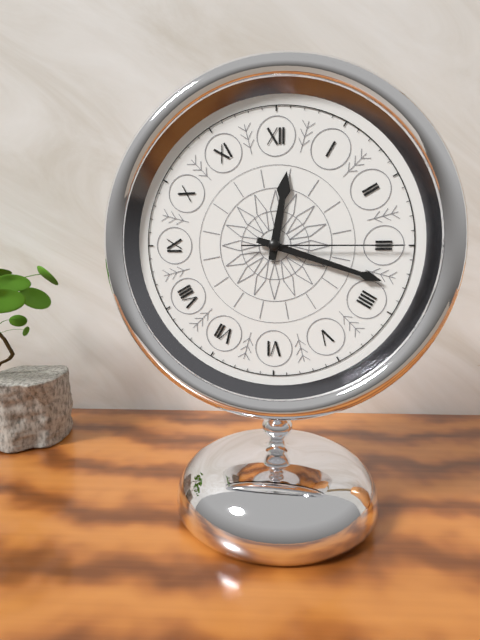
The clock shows 12.18.15
